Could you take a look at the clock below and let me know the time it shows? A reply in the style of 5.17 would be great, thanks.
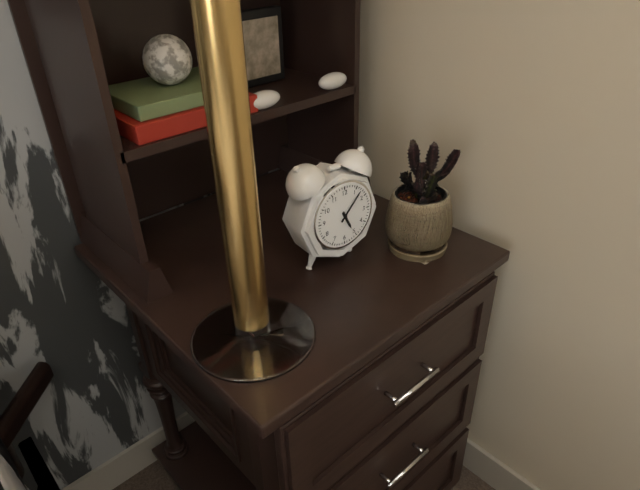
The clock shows 5.07
